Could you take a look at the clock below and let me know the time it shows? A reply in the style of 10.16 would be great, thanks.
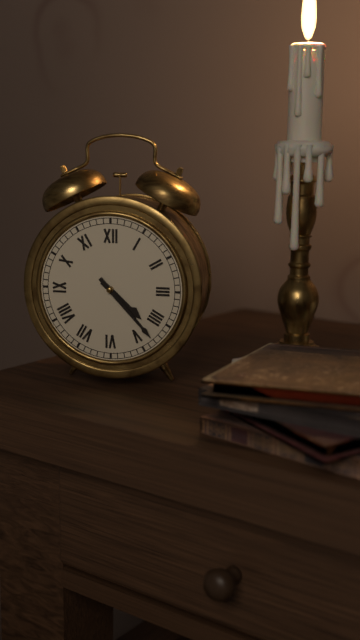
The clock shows 4.23
